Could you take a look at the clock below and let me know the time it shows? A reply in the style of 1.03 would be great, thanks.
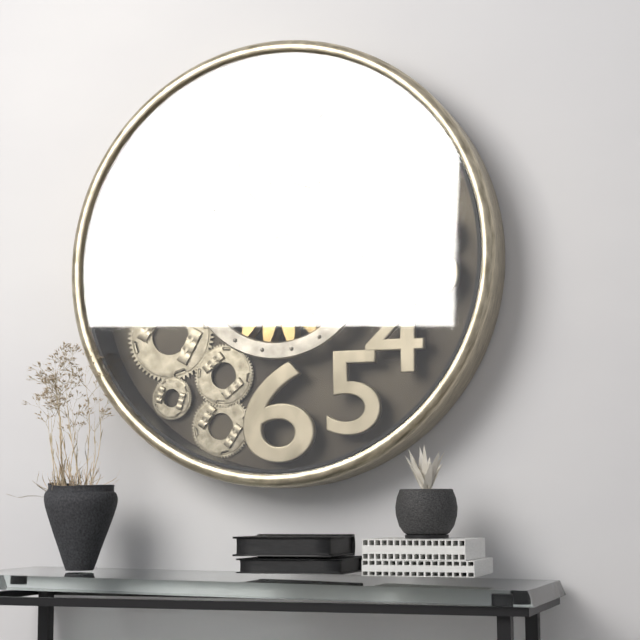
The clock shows 3.59
